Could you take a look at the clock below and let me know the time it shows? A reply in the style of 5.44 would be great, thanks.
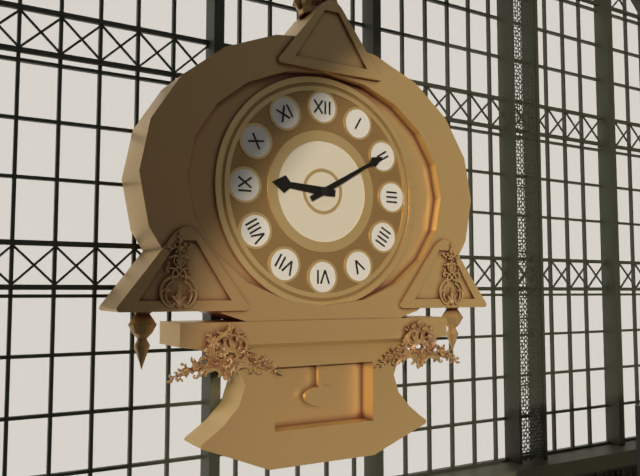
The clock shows 9.10
